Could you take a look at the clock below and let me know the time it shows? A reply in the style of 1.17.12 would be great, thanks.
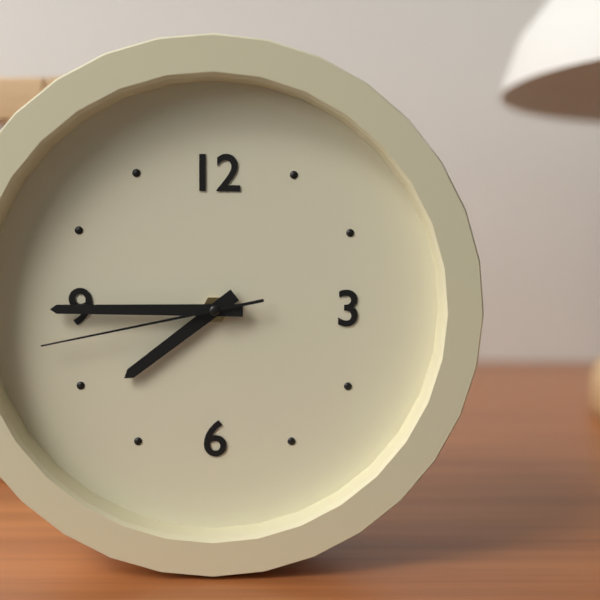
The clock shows 7.45.43
